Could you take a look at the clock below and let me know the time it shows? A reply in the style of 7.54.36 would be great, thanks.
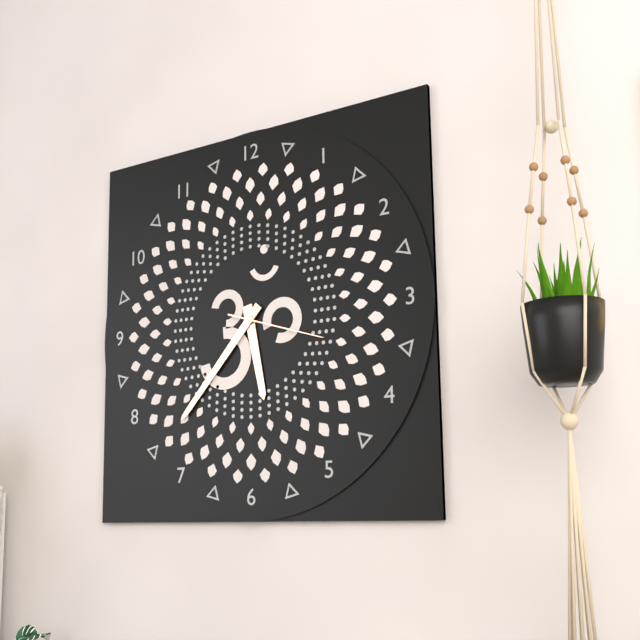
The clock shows 5.37.18
